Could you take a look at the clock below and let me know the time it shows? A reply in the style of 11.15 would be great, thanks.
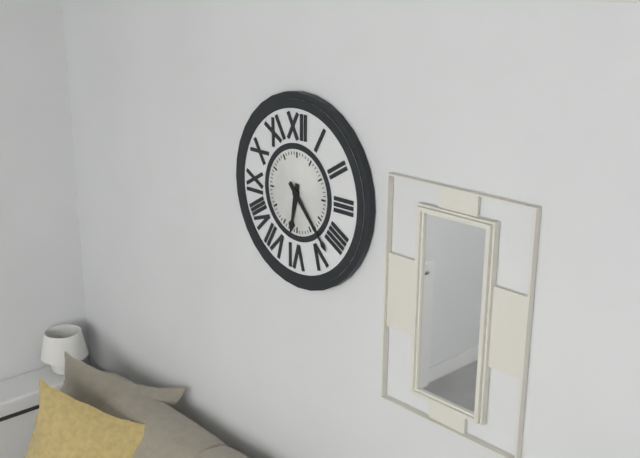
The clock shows 6.23
